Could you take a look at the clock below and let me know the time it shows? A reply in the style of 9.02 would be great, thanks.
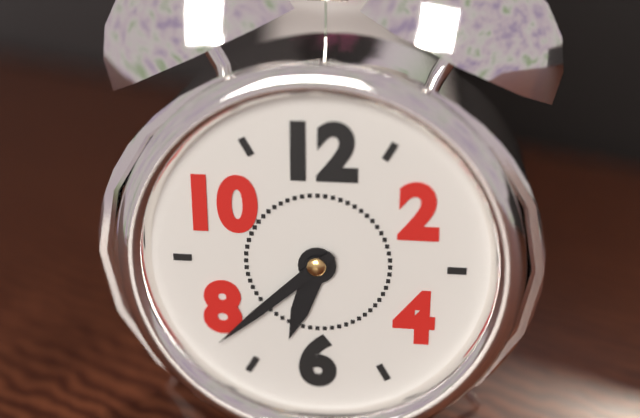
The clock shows 6.38
